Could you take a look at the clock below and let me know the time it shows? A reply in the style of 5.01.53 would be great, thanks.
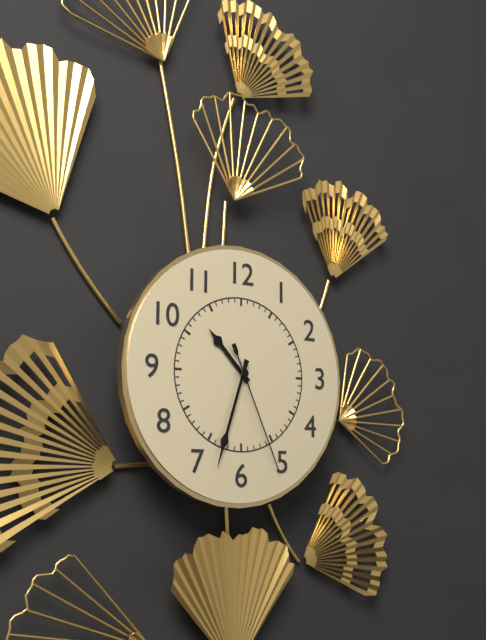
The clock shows 10.33.26
